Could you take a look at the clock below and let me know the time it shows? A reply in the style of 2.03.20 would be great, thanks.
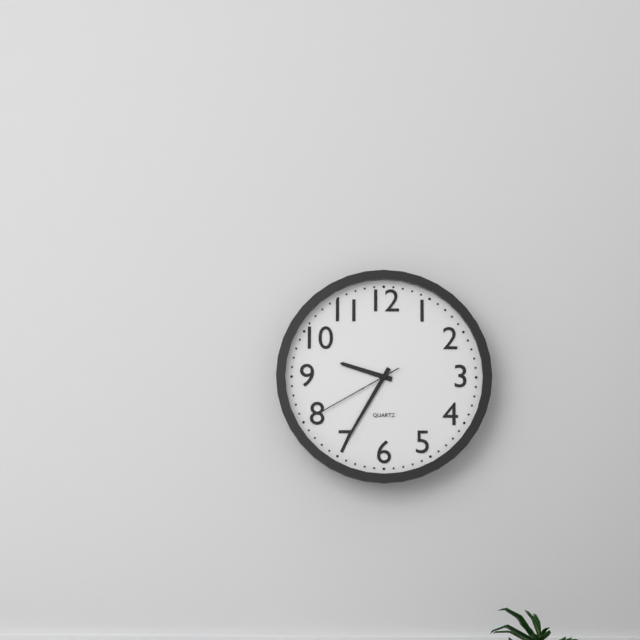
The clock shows 9.35.40
